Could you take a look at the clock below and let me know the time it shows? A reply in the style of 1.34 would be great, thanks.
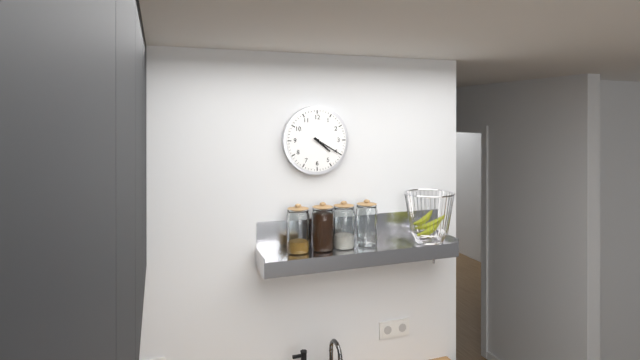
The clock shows 4.20
